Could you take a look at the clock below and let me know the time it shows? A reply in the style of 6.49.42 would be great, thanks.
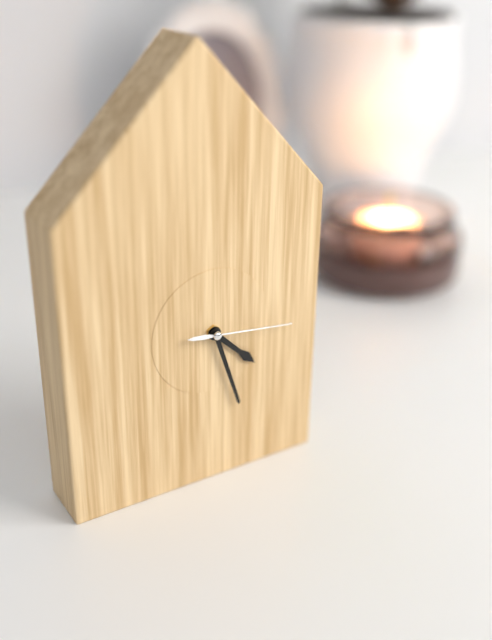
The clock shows 4.27.16
